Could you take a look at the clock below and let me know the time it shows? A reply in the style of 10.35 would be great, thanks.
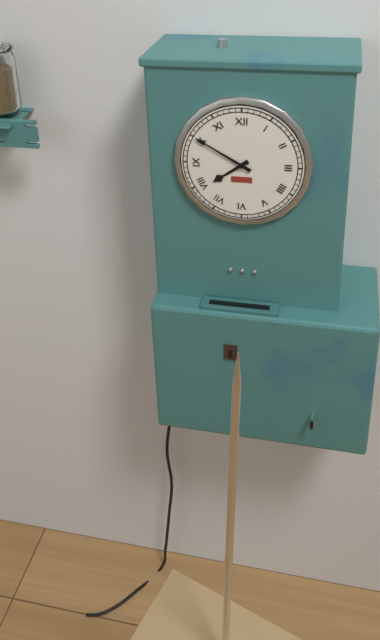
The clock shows 7.50
